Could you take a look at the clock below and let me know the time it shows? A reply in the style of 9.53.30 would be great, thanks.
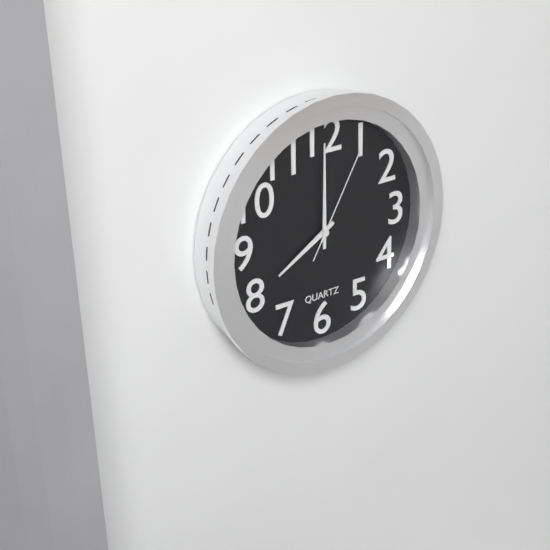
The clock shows 8.00.05
